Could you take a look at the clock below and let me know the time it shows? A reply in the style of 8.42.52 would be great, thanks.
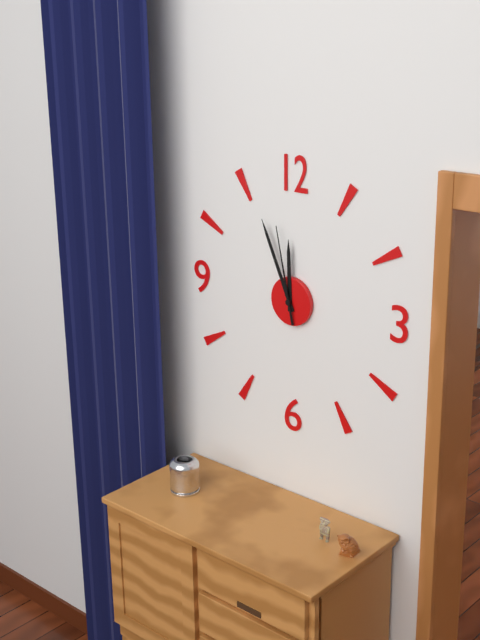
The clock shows 11.56.58
